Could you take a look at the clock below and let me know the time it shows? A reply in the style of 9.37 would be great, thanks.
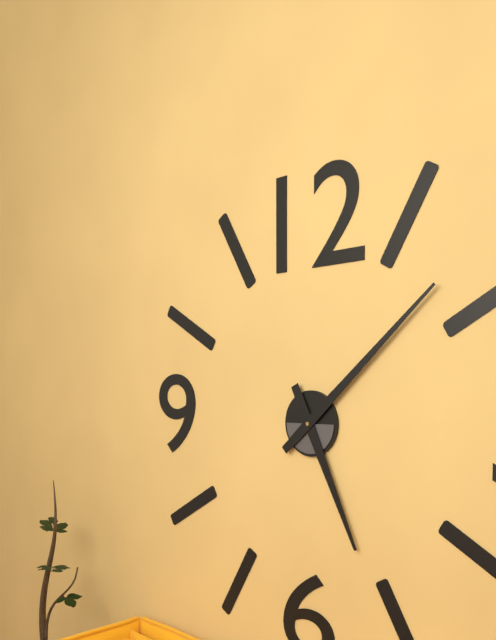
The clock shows 5.08
